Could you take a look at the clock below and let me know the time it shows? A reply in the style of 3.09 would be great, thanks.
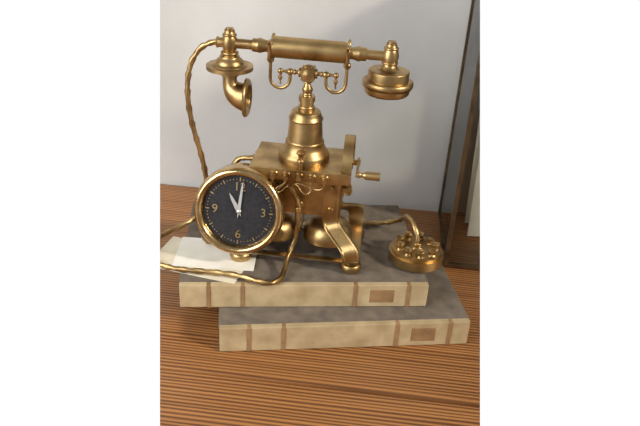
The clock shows 11.01
